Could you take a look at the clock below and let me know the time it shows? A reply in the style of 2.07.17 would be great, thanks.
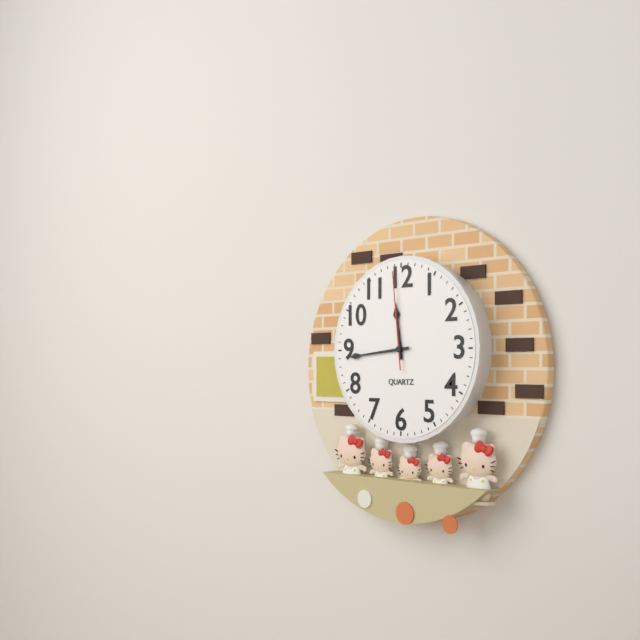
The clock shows 11.44.59
